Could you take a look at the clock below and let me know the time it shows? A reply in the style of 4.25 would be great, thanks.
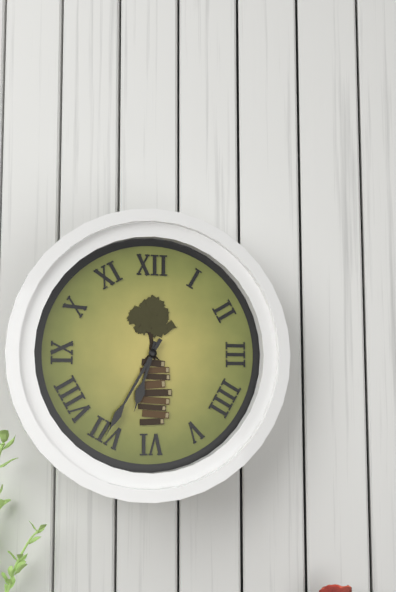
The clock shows 6.35
